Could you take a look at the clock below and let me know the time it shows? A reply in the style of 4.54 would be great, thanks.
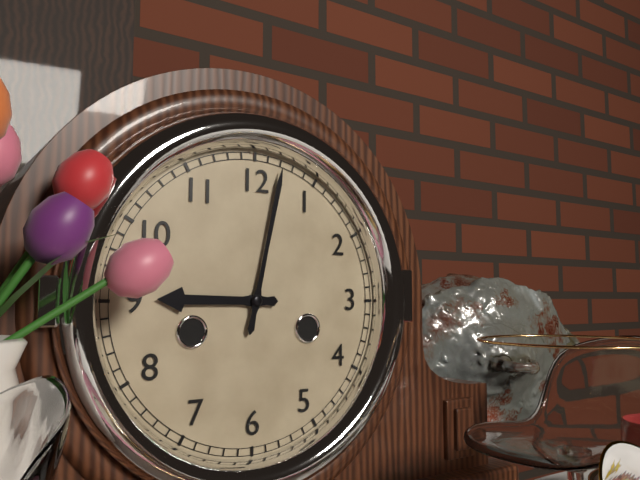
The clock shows 9.02
